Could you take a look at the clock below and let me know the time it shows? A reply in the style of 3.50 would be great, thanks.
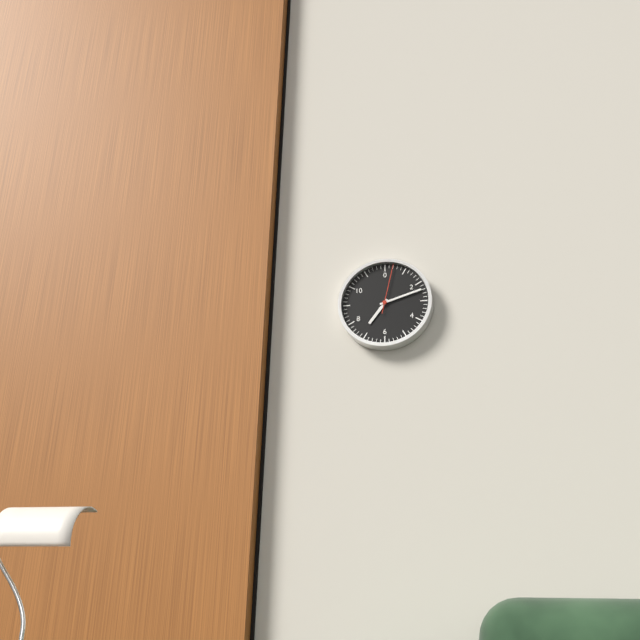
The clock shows 7.12
